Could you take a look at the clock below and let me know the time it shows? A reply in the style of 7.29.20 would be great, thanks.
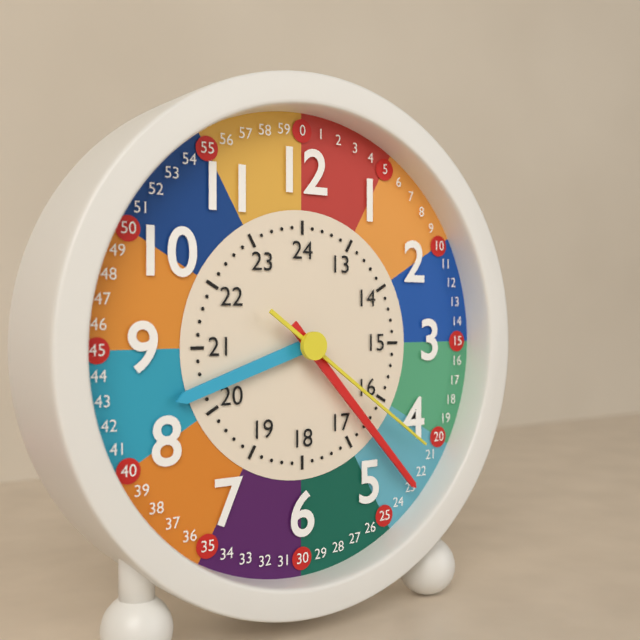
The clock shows 8.23.21
